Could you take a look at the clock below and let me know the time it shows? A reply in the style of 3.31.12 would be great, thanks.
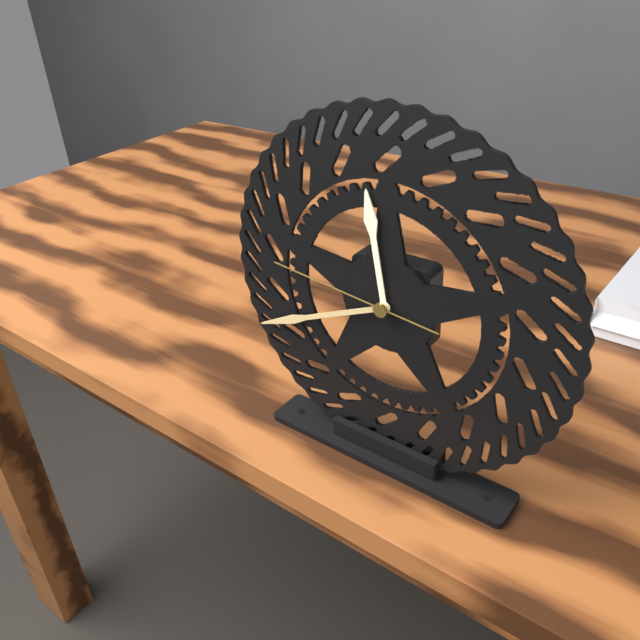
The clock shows 11.41.46
